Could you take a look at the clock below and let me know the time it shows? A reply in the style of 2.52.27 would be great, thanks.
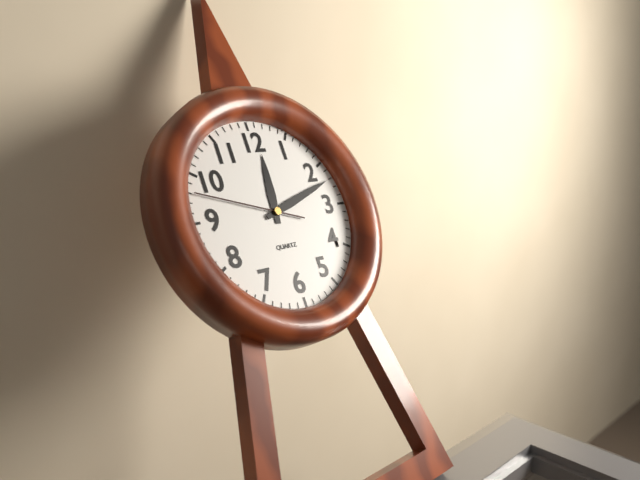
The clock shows 12.12.48
